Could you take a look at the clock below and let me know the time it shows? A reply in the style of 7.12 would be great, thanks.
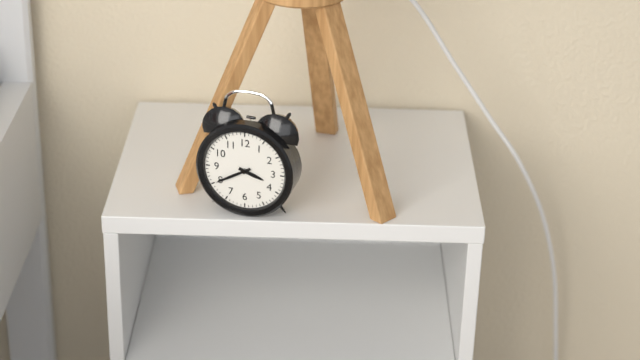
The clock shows 3.40
